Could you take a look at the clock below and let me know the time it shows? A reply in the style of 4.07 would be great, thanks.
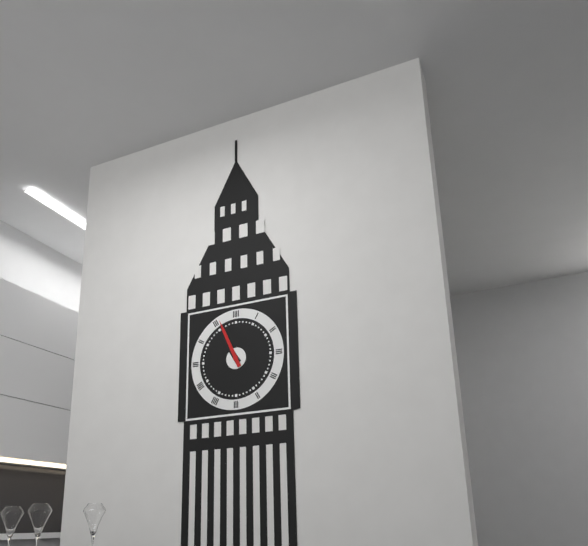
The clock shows 10.56
